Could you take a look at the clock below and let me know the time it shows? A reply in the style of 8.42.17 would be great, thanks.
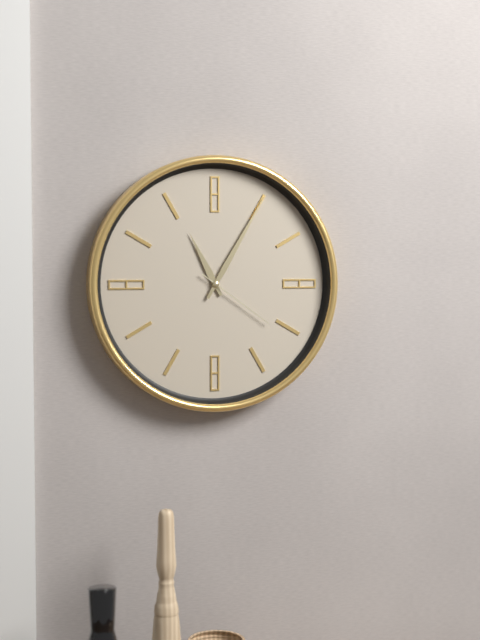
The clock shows 11.05.21
